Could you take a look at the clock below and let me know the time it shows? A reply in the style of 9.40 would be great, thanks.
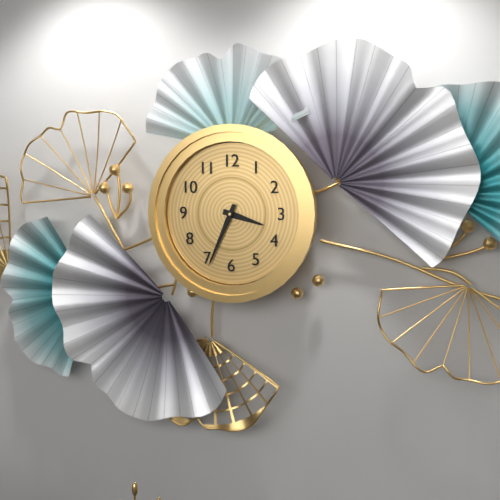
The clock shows 3.34
